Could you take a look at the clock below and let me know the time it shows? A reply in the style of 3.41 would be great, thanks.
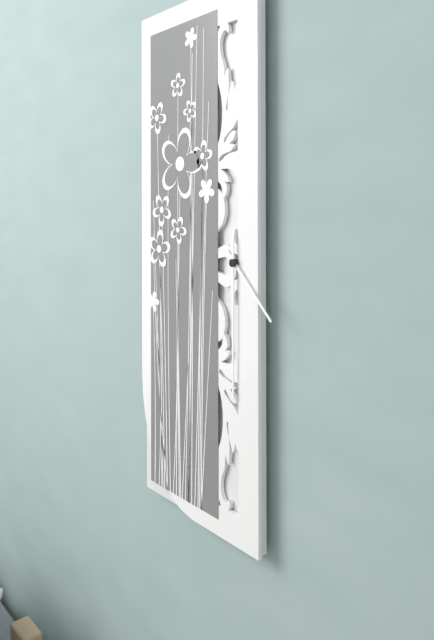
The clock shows 4.30
